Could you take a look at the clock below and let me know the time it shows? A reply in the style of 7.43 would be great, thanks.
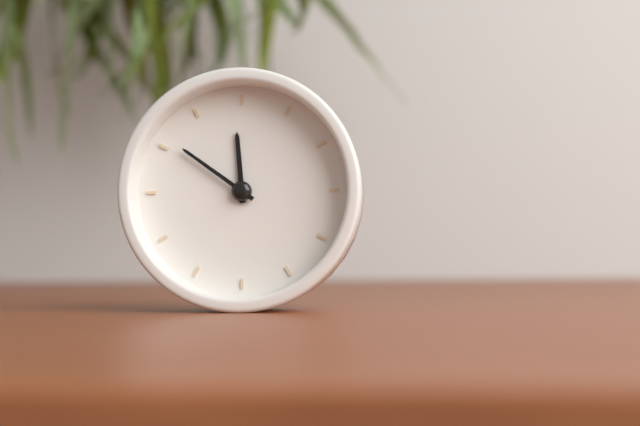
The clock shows 11.51
